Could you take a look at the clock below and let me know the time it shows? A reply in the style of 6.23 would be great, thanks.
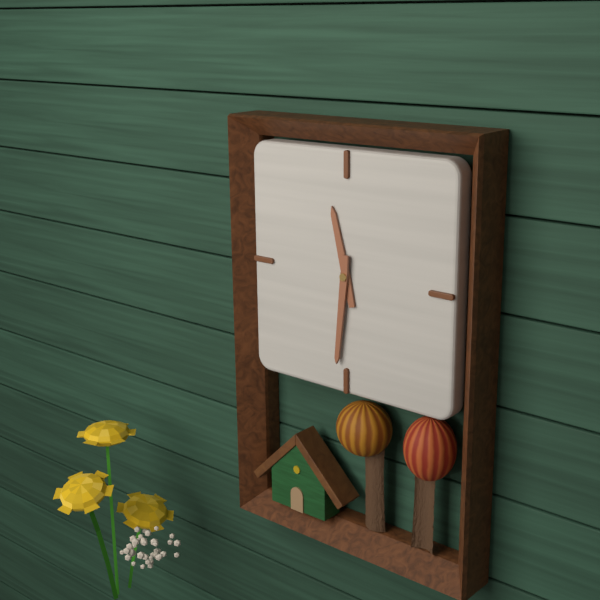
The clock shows 11.31
